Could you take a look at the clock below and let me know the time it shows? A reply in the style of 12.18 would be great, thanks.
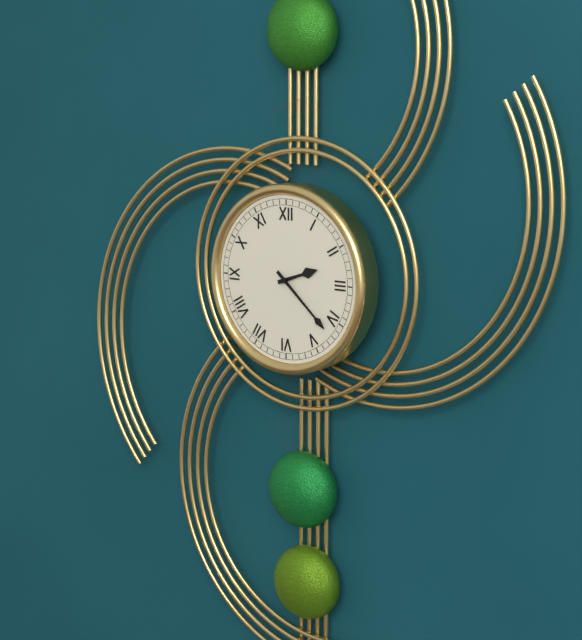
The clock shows 2.22
